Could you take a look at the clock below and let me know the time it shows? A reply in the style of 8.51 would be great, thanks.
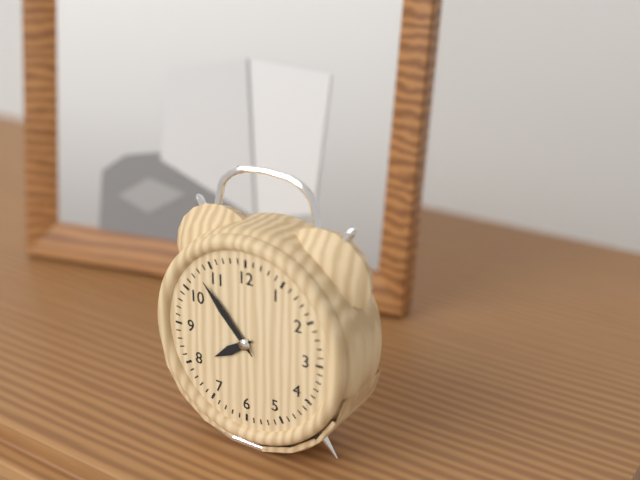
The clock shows 7.53
